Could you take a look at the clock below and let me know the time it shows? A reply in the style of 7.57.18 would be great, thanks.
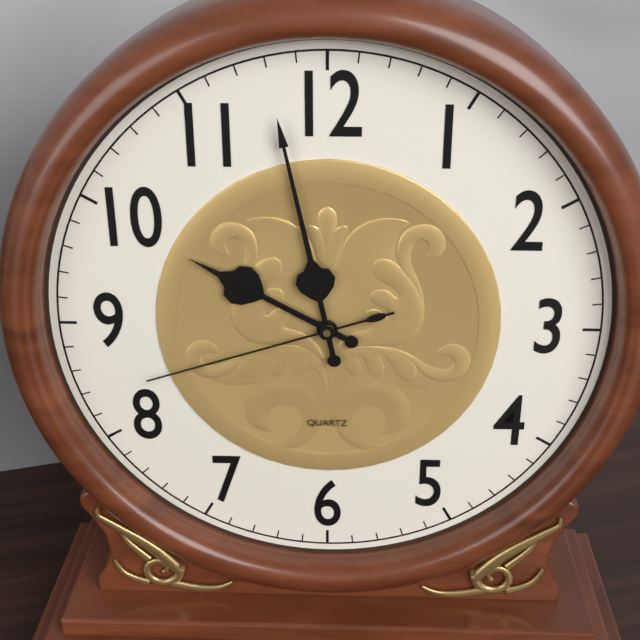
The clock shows 9.58.42
